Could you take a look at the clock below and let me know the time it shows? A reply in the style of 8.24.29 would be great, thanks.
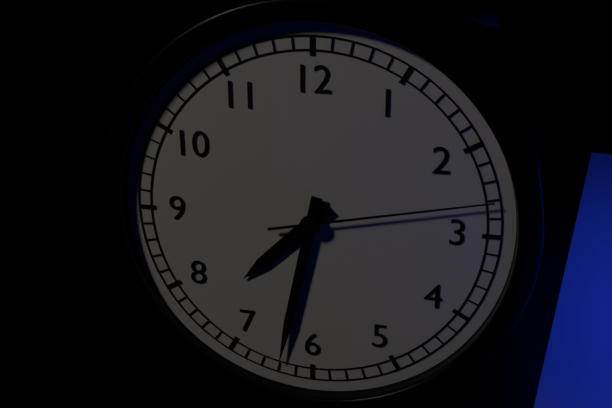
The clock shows 7.32.13
